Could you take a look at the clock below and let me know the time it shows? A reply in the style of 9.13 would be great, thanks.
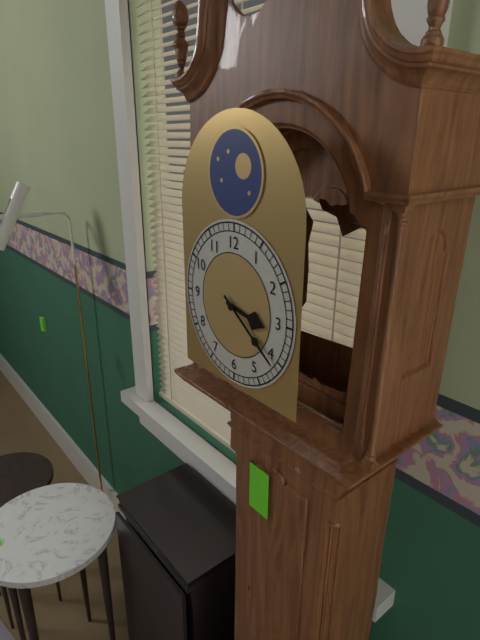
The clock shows 3.21
